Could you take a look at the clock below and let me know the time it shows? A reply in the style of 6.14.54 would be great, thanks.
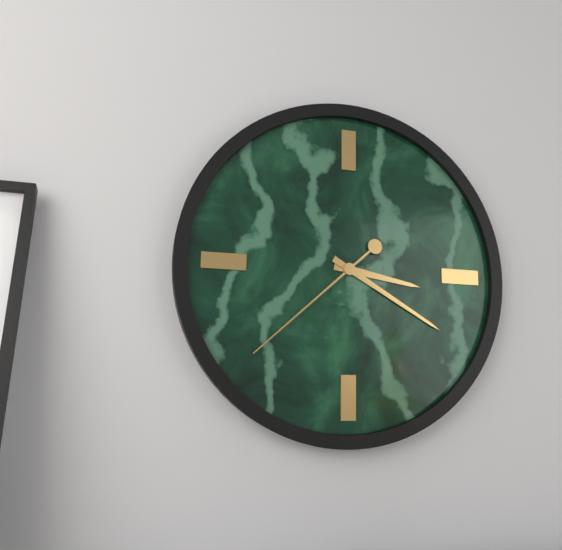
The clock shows 3.20.38
